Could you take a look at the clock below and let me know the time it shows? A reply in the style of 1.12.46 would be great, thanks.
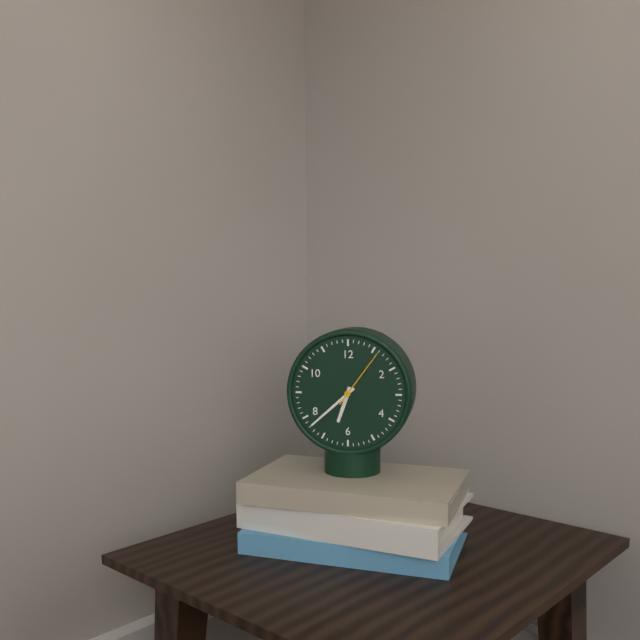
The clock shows 6.38.06
